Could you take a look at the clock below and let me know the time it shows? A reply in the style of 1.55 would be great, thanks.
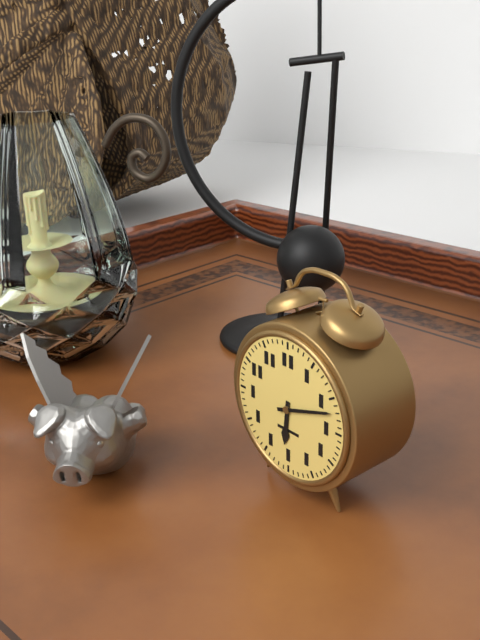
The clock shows 6.12
